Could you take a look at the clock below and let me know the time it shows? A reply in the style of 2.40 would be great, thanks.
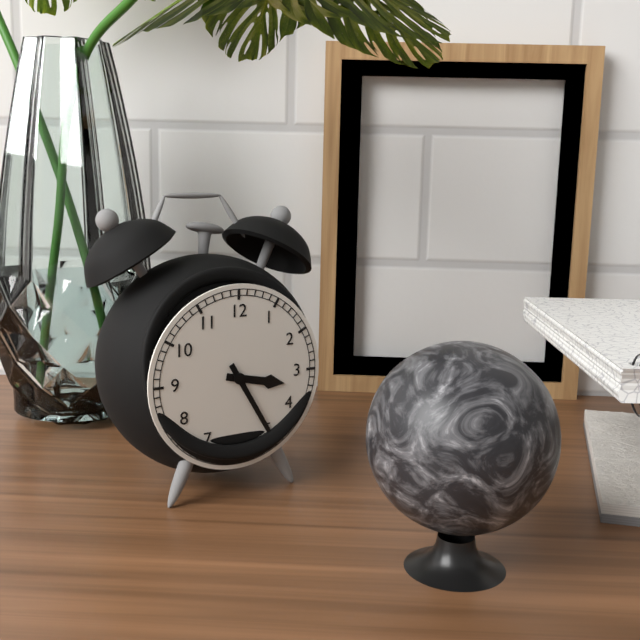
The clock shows 3.25
